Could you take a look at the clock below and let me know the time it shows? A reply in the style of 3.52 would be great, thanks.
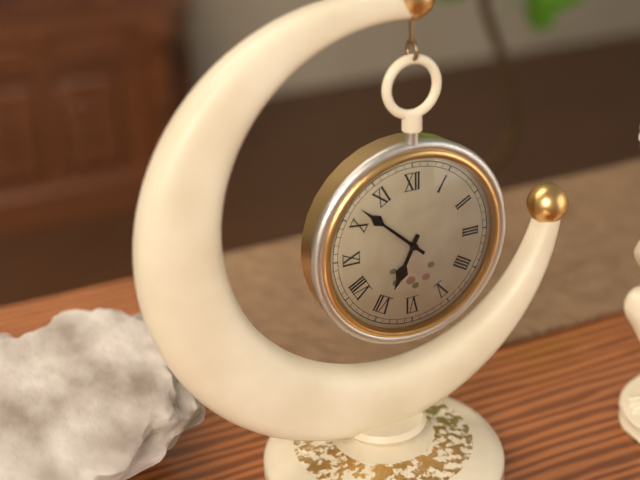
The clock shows 6.52
